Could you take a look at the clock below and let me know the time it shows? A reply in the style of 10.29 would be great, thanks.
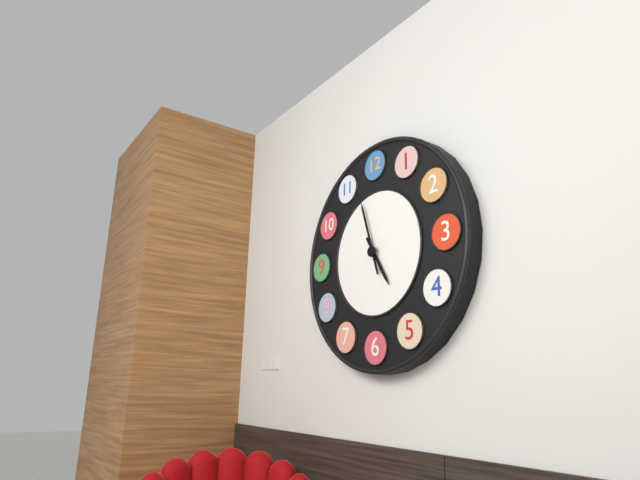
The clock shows 4.57
